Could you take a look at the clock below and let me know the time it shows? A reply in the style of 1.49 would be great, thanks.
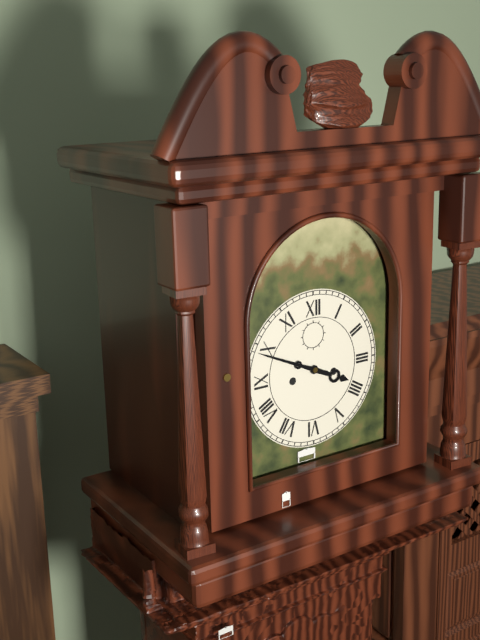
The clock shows 3.49
